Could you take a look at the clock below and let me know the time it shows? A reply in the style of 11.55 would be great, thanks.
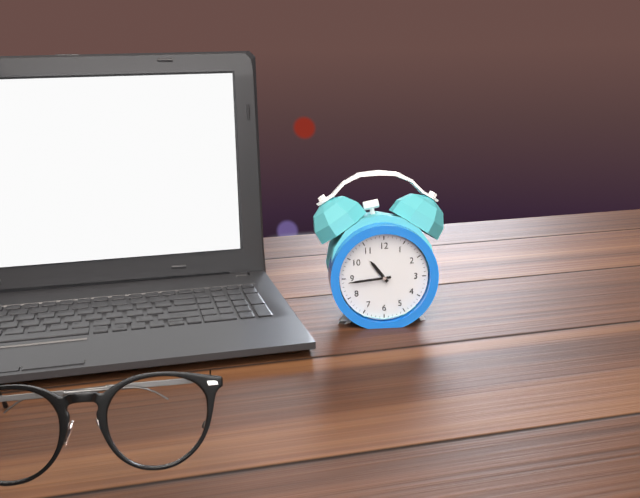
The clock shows 10.44
